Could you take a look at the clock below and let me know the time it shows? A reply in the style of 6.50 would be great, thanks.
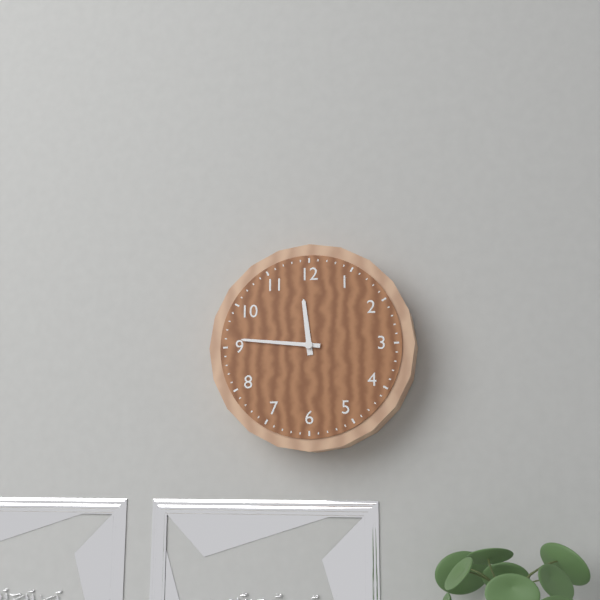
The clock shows 11.46
